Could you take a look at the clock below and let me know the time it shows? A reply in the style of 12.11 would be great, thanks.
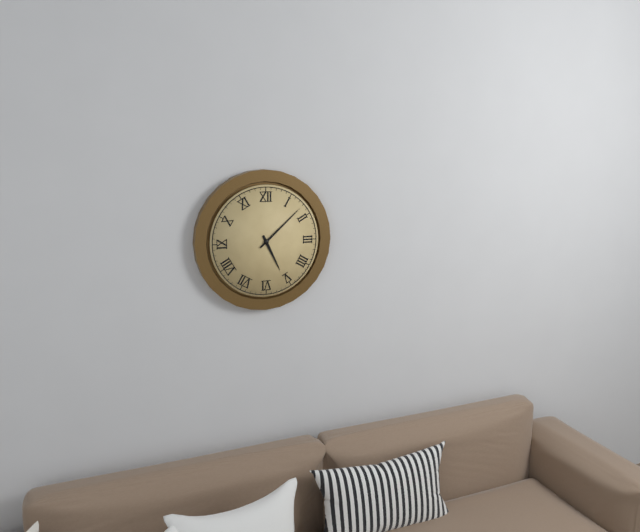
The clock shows 5.08
